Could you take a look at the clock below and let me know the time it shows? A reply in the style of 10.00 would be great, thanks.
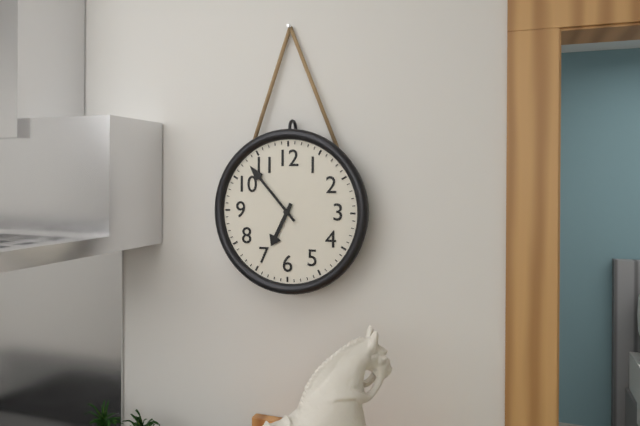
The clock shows 6.53
